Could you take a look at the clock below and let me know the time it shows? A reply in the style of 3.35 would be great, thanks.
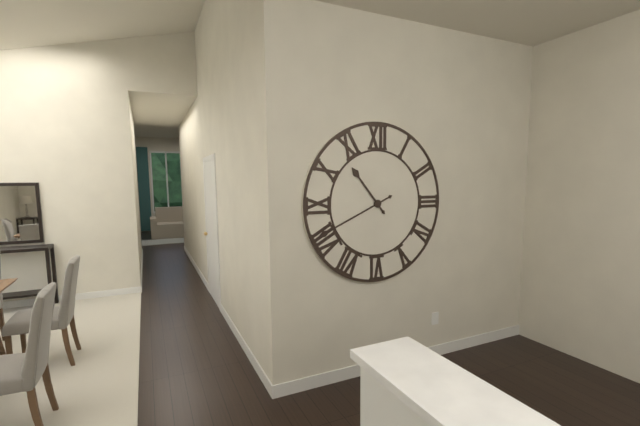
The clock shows 10.41
